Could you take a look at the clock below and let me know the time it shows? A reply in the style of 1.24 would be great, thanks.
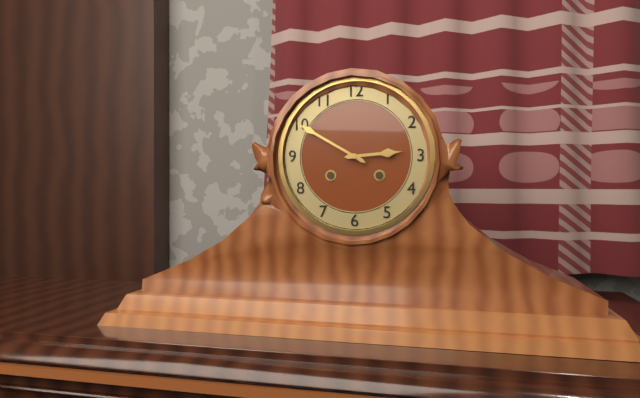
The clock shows 2.50
